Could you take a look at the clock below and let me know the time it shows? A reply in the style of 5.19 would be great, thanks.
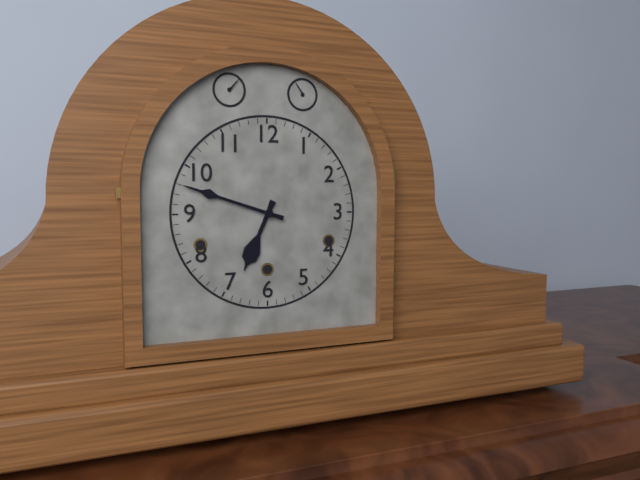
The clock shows 6.48
